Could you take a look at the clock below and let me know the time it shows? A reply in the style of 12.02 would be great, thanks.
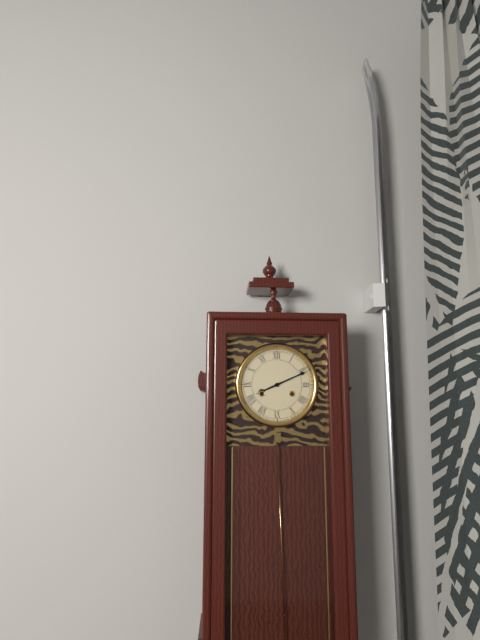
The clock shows 8.11
